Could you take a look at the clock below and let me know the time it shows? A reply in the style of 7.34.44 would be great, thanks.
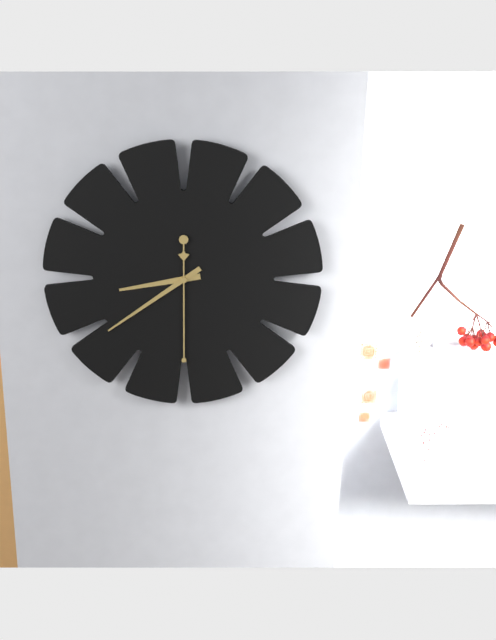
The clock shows 8.39.30
